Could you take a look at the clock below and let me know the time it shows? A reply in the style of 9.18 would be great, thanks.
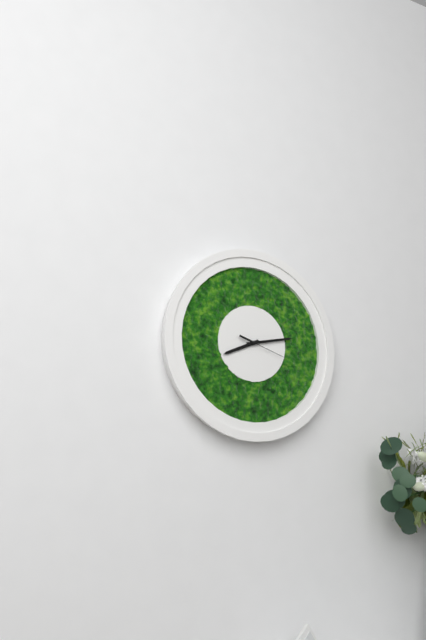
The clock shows 8.13
